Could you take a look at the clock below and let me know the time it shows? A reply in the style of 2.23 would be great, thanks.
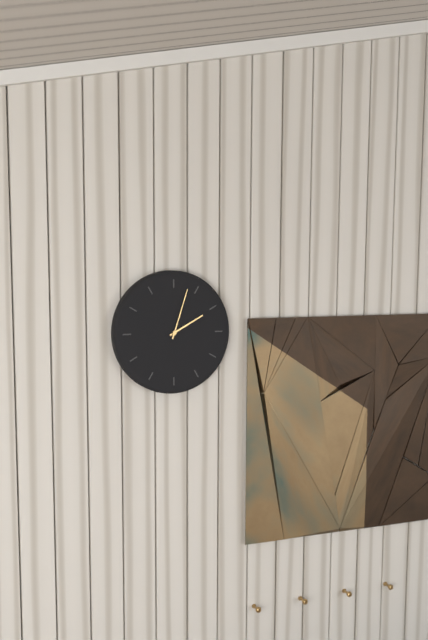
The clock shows 2.03
